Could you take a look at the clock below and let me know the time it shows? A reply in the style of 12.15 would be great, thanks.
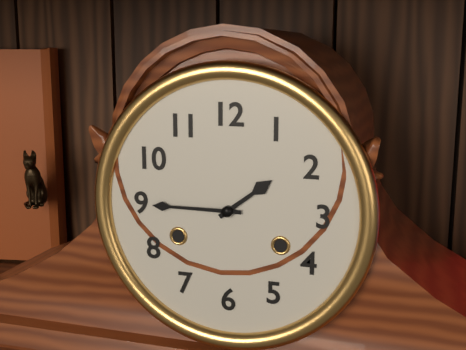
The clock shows 1.45
